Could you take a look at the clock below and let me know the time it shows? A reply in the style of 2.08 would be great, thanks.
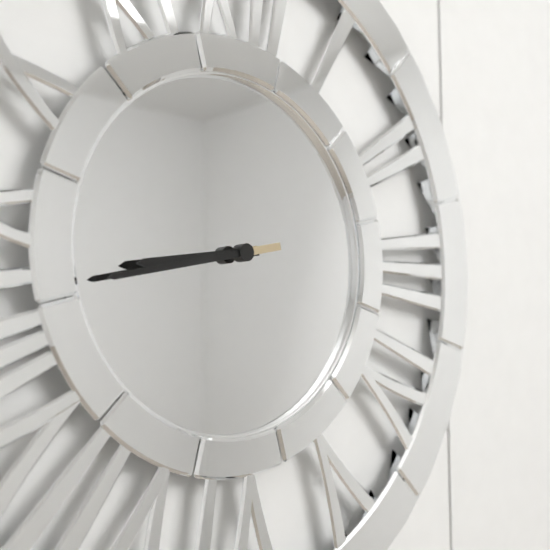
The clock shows 8.43
